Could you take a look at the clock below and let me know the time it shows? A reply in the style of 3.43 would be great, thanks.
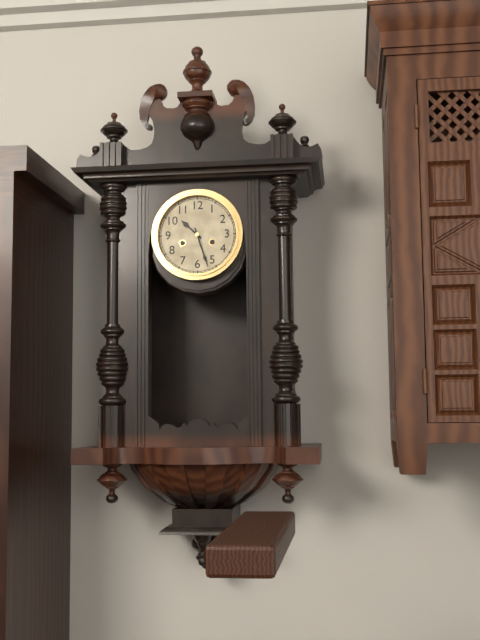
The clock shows 10.27
